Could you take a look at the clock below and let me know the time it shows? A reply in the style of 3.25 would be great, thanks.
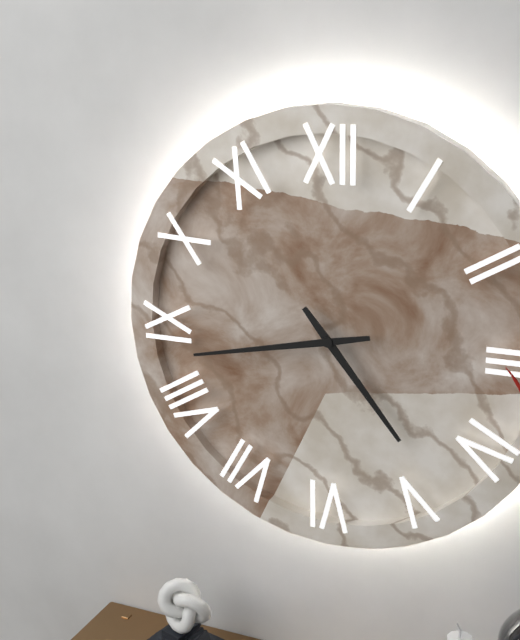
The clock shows 4.43
